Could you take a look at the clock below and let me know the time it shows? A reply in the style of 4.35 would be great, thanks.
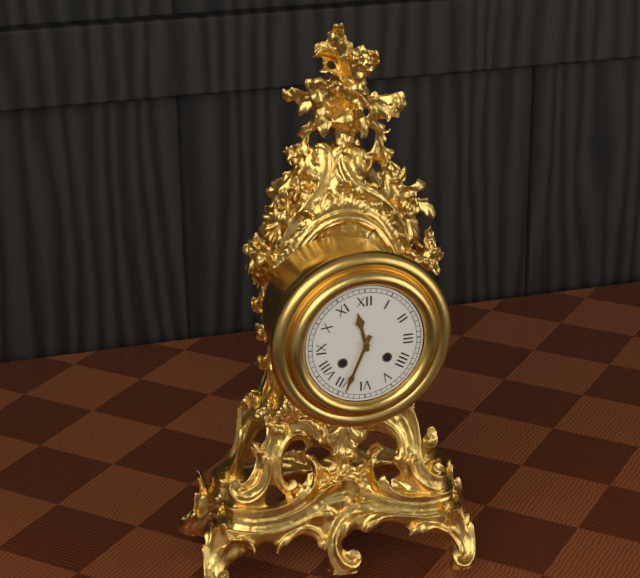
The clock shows 11.34
